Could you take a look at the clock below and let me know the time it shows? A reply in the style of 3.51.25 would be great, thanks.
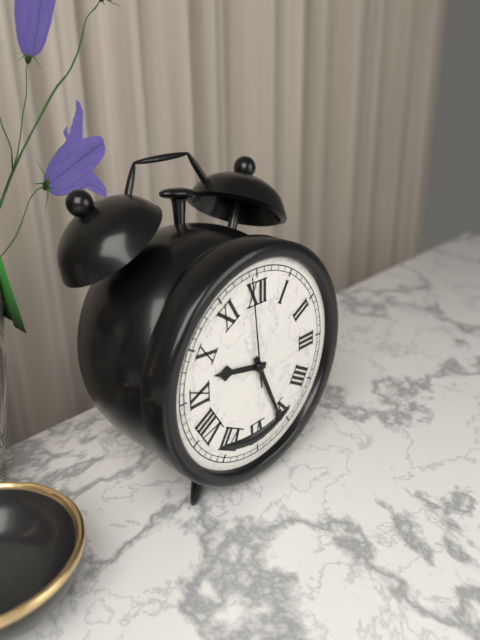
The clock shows 9.26.59
